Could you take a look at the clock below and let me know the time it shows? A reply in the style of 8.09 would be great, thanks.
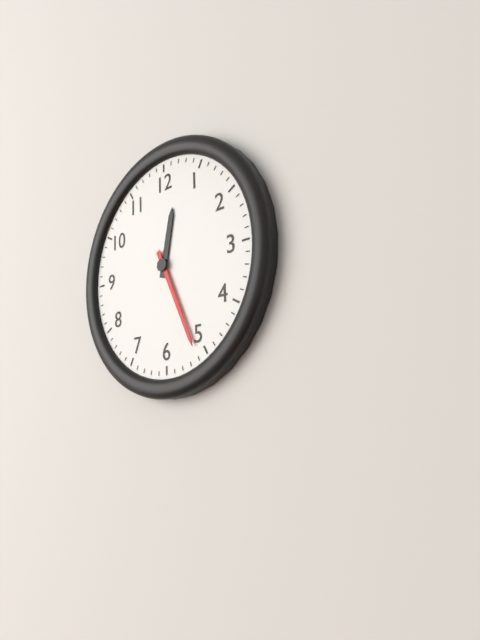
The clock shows 12.26
